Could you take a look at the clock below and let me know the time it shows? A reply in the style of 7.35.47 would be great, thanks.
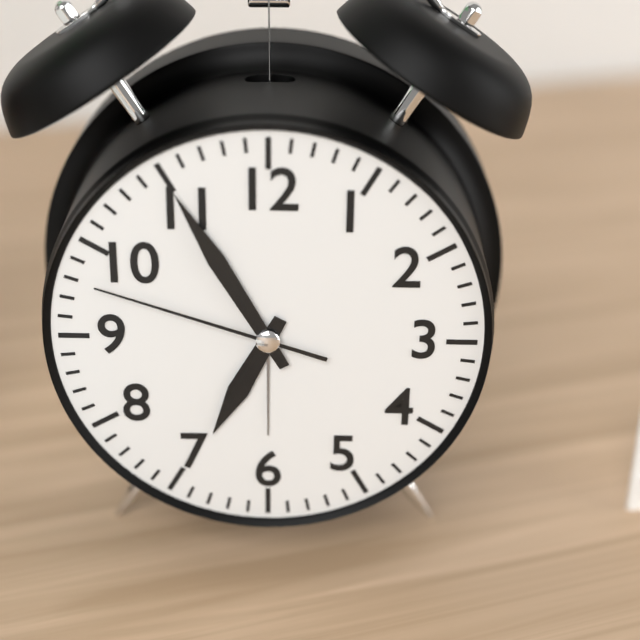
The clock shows 6.55.48
